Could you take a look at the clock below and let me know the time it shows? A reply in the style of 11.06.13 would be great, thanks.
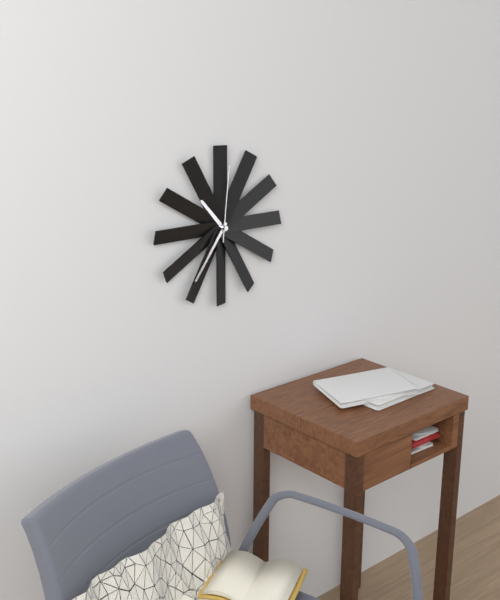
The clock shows 10.36.01
